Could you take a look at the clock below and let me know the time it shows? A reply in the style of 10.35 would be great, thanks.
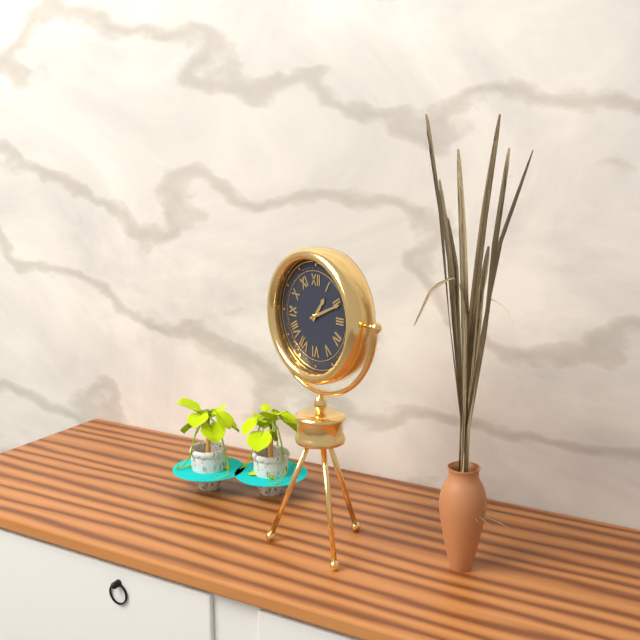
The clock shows 1.11
